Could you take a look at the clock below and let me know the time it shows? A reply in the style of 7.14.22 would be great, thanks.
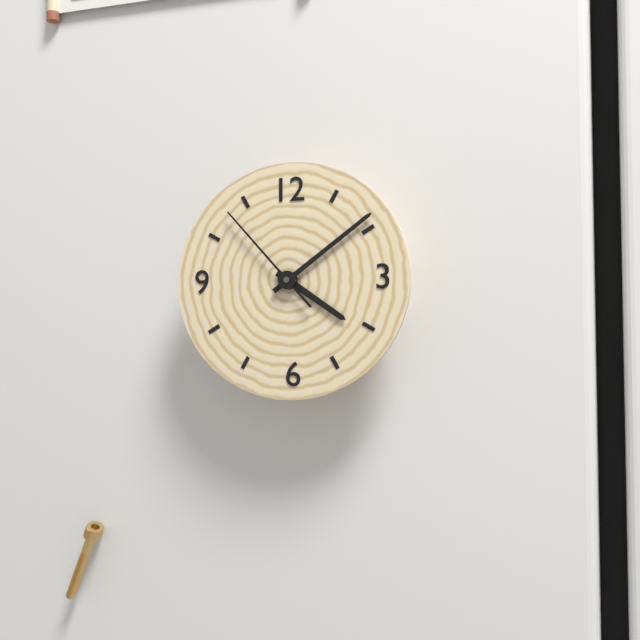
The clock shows 4.09.53
